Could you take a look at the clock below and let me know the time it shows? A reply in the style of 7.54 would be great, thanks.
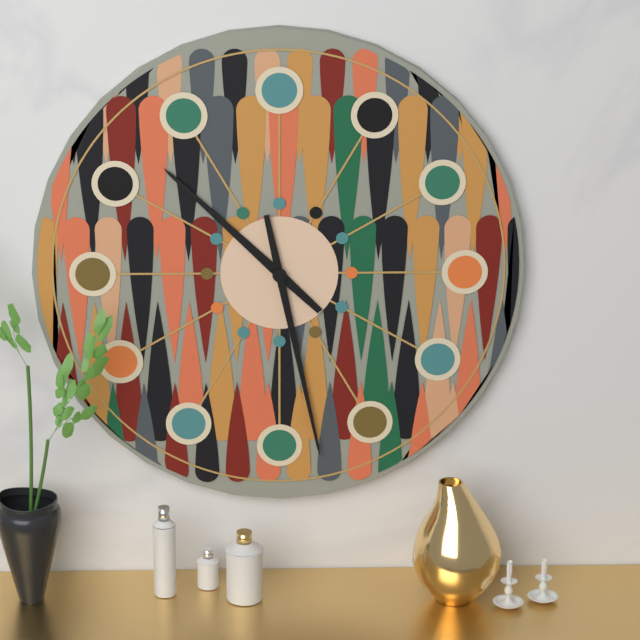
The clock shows 10.28
